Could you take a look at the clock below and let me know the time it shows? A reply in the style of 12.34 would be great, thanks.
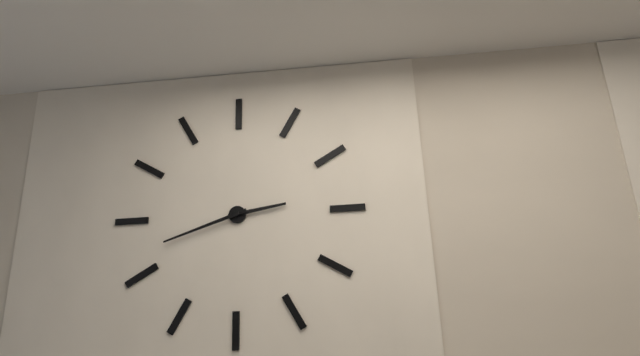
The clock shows 2.42
